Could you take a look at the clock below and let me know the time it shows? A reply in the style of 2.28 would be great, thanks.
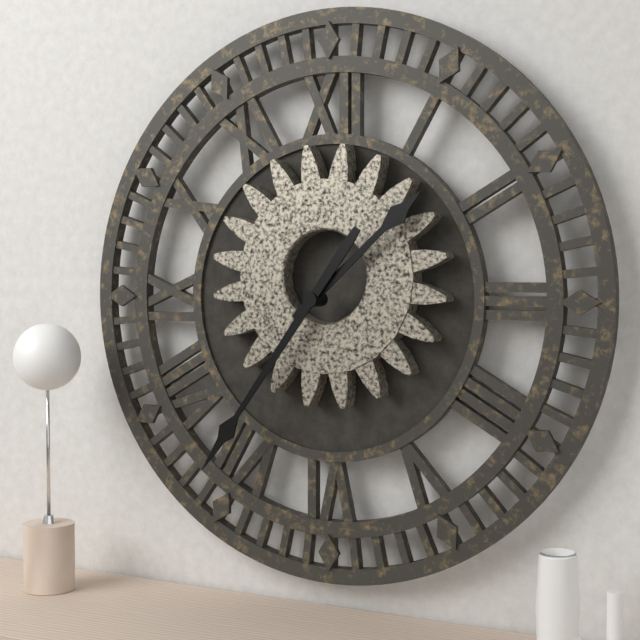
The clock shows 1.36
